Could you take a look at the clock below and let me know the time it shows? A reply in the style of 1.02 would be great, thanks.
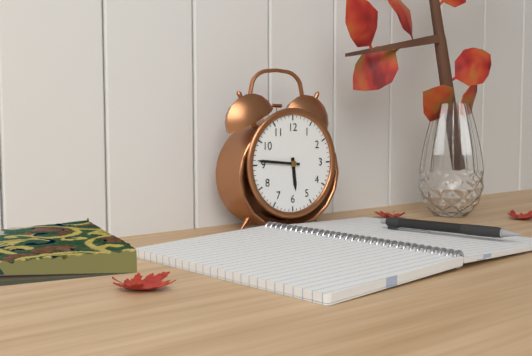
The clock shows 5.46
